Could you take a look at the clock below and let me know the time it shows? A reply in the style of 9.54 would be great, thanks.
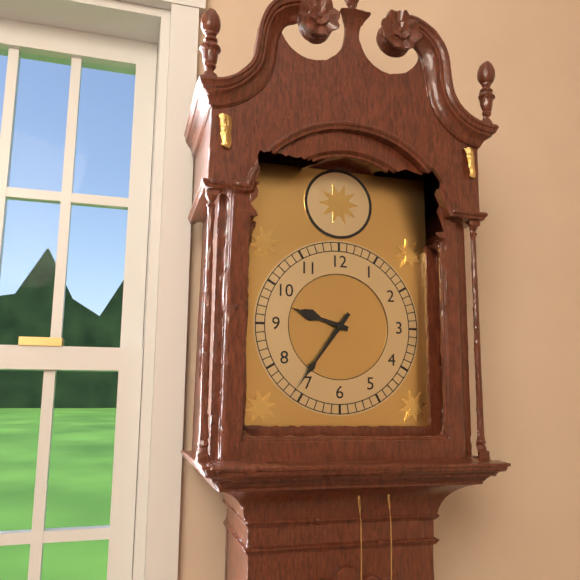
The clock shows 9.36
